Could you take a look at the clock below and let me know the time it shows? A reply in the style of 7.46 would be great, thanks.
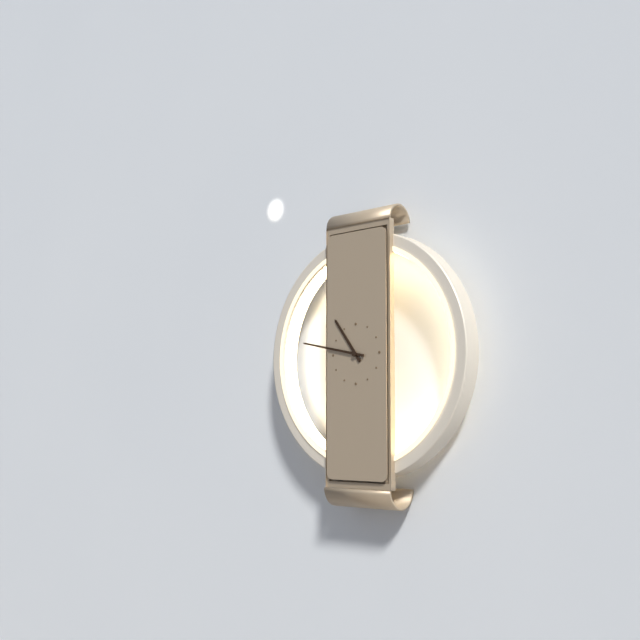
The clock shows 10.47
